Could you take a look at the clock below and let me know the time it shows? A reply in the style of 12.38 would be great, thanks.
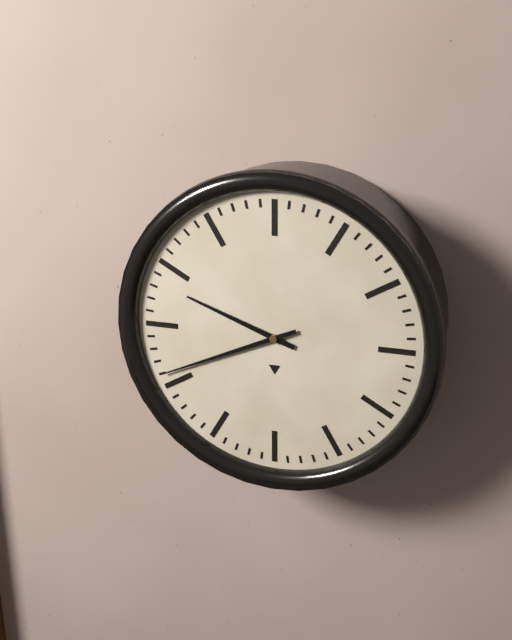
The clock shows 9.41
